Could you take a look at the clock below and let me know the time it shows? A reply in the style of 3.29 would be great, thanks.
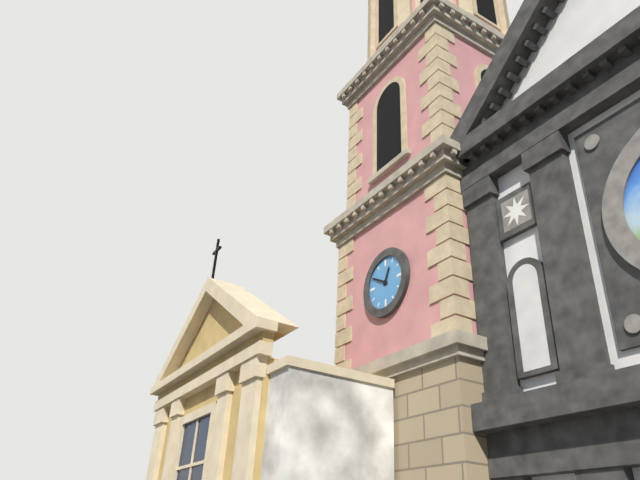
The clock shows 12.50
